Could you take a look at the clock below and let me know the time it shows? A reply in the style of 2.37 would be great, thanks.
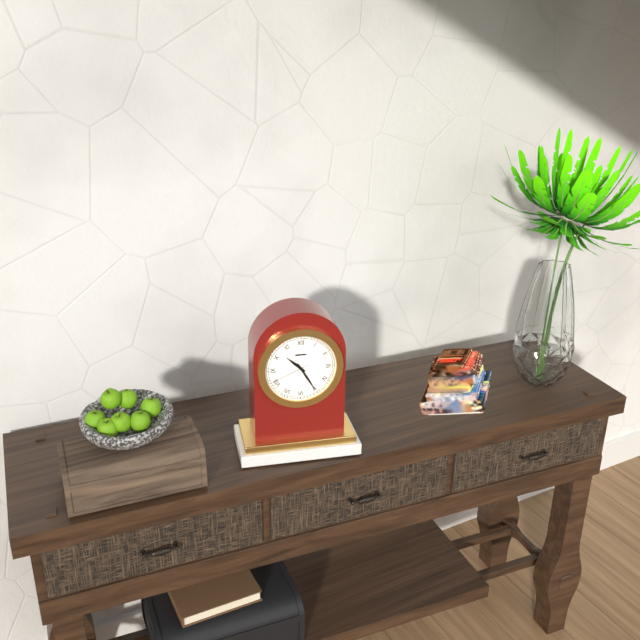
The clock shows 10.25
